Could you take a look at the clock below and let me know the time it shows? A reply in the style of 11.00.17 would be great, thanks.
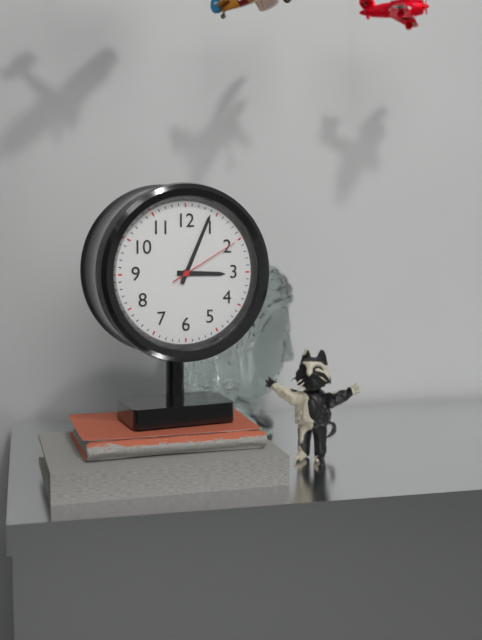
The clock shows 3.04.10
